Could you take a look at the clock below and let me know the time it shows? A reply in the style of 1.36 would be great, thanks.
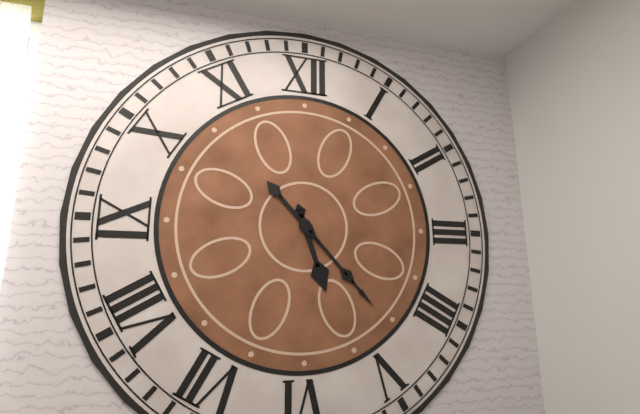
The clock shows 5.23
